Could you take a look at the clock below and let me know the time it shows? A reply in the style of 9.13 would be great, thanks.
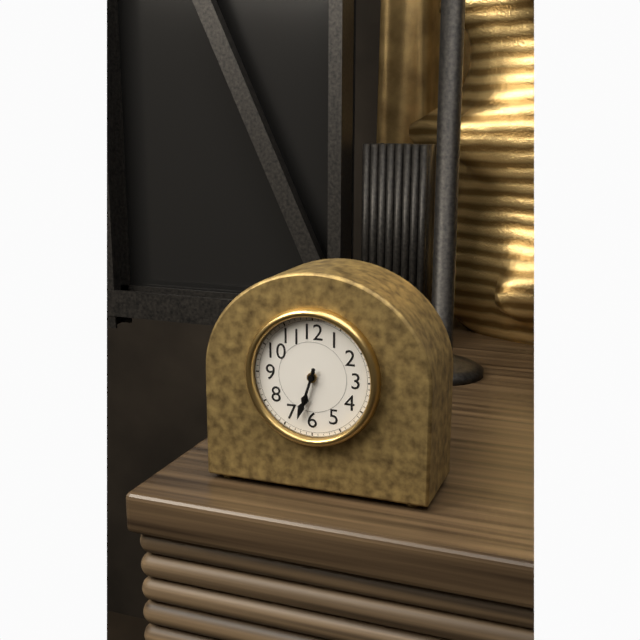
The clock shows 6.33
